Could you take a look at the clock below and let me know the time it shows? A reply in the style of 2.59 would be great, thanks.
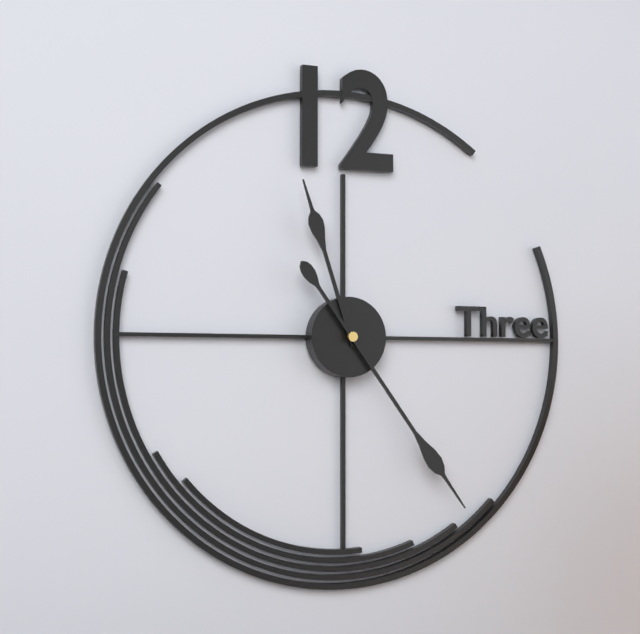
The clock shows 11.24
